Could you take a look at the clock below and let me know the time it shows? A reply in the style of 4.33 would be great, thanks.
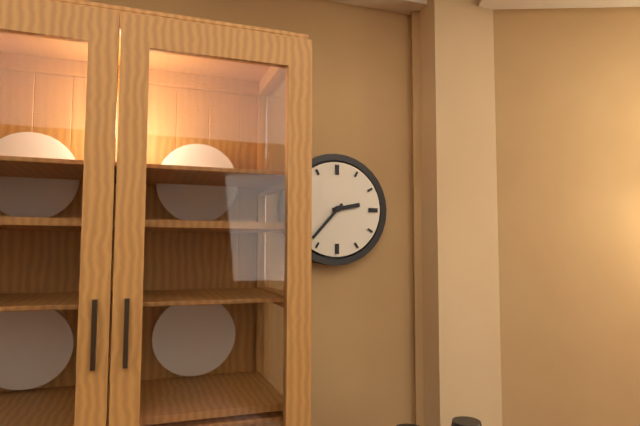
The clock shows 2.37
